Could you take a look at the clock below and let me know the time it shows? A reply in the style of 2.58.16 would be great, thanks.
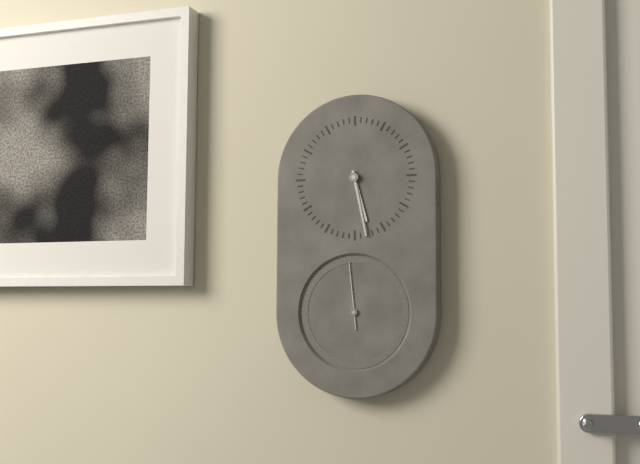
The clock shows 5.28.59
